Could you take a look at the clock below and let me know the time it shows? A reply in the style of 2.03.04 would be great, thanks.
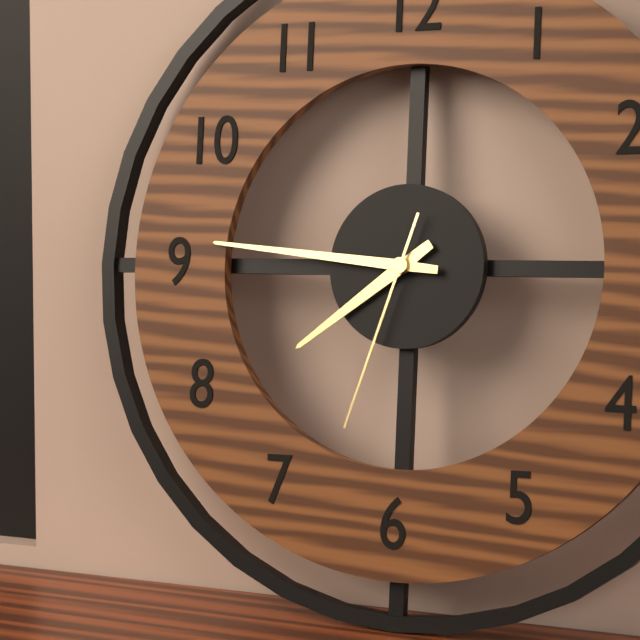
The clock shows 7.46.33
